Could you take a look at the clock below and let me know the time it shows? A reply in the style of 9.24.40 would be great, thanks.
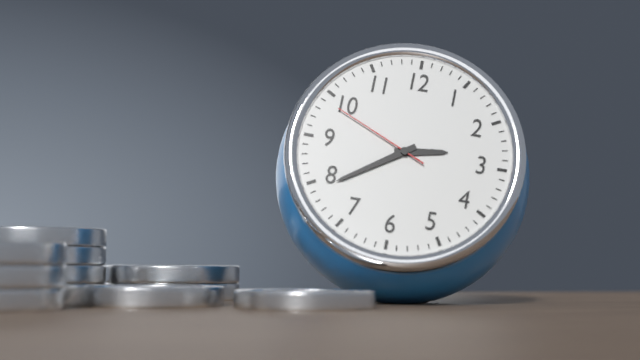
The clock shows 2.39.49
